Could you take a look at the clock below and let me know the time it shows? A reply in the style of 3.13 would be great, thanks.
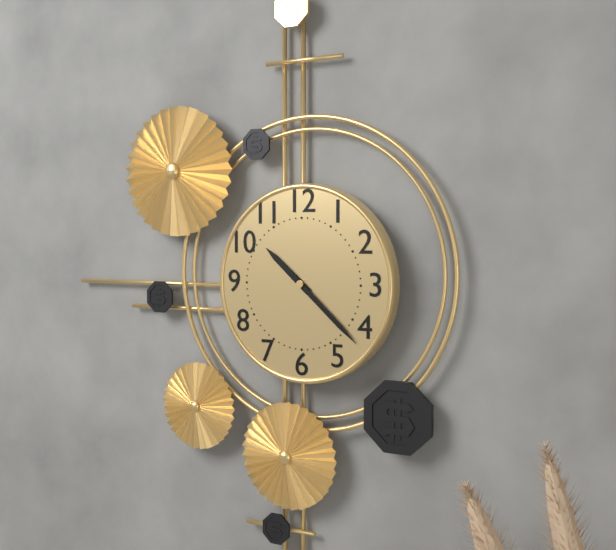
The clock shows 10.22
